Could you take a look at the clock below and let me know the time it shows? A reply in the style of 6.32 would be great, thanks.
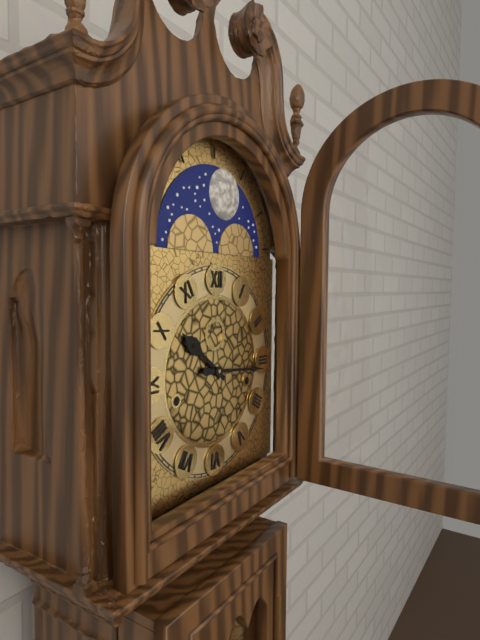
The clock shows 10.16
